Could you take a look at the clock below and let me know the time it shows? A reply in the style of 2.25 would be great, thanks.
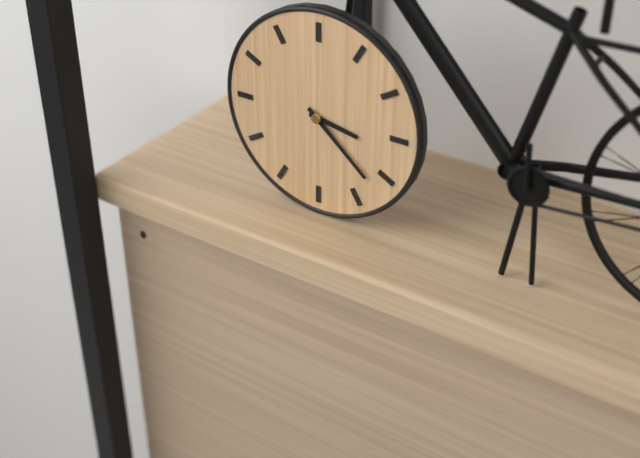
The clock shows 3.22
